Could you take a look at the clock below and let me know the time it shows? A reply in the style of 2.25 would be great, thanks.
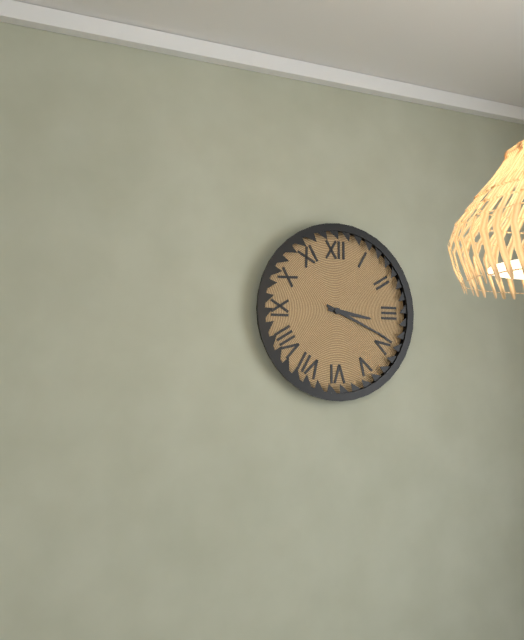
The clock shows 3.19
